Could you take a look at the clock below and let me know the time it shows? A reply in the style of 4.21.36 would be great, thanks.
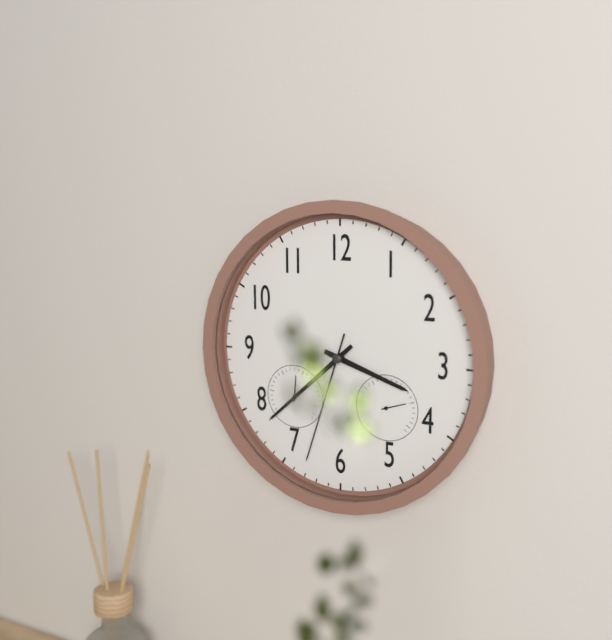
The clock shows 3.38.33
